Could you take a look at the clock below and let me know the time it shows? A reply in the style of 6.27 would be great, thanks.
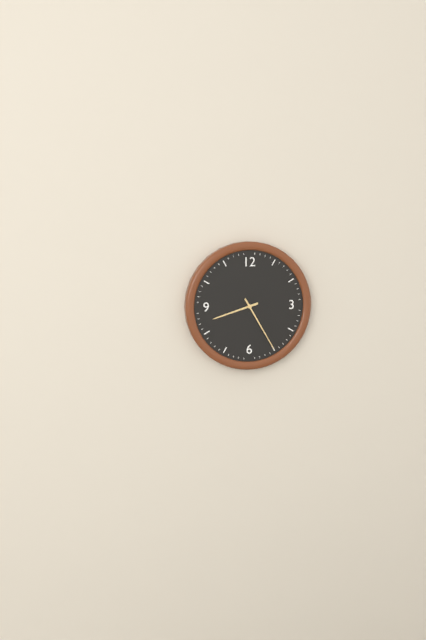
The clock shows 8.25
